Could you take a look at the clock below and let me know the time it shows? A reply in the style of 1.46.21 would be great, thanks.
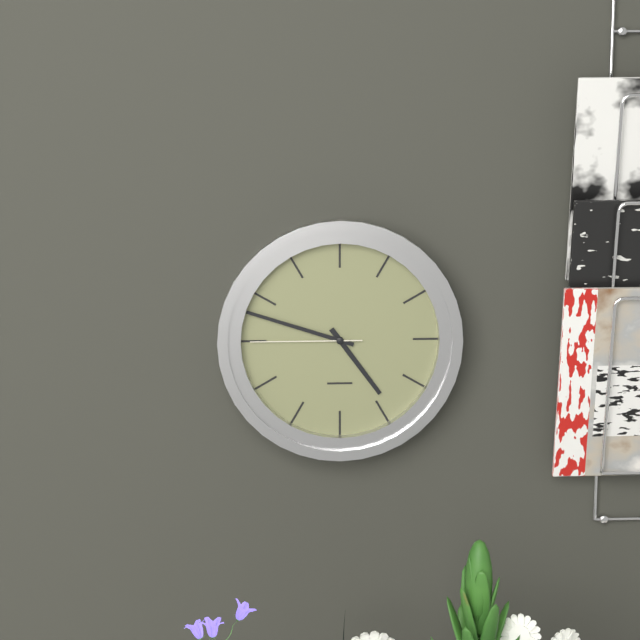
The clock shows 4.48.45
